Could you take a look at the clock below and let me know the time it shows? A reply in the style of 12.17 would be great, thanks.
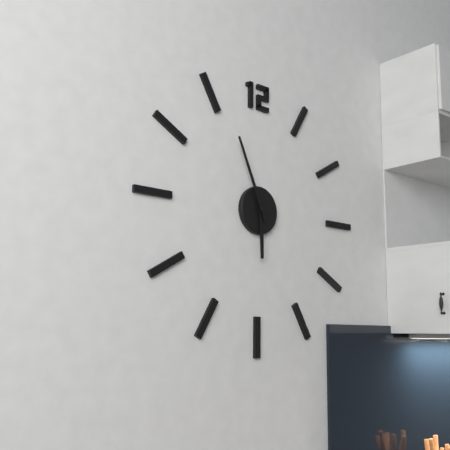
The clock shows 5.56
